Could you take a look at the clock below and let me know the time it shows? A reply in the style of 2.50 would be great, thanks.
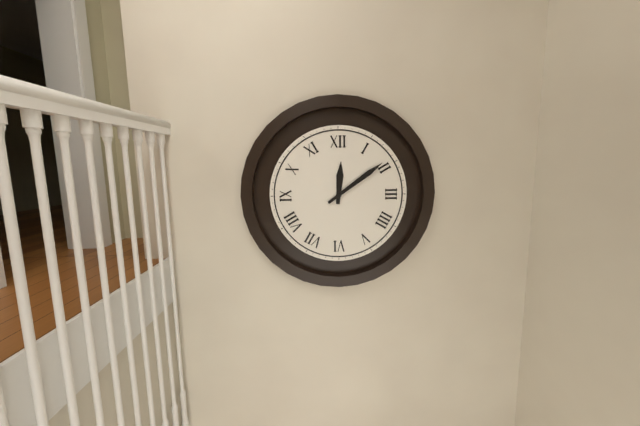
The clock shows 12.09
